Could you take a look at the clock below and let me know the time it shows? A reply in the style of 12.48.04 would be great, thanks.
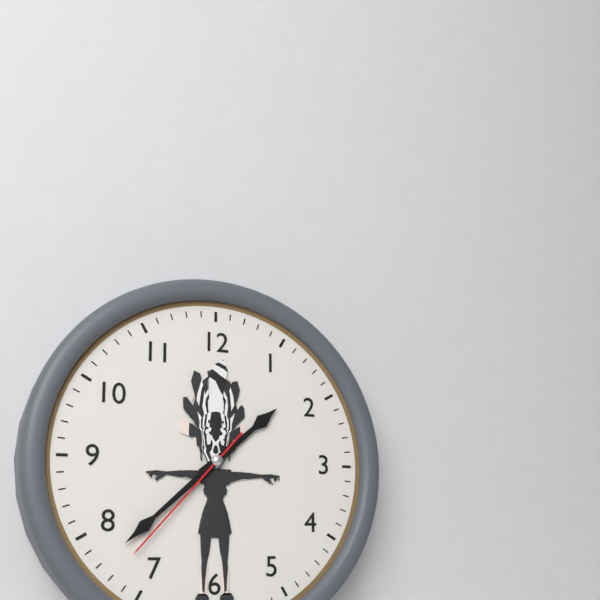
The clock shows 1.38.37
